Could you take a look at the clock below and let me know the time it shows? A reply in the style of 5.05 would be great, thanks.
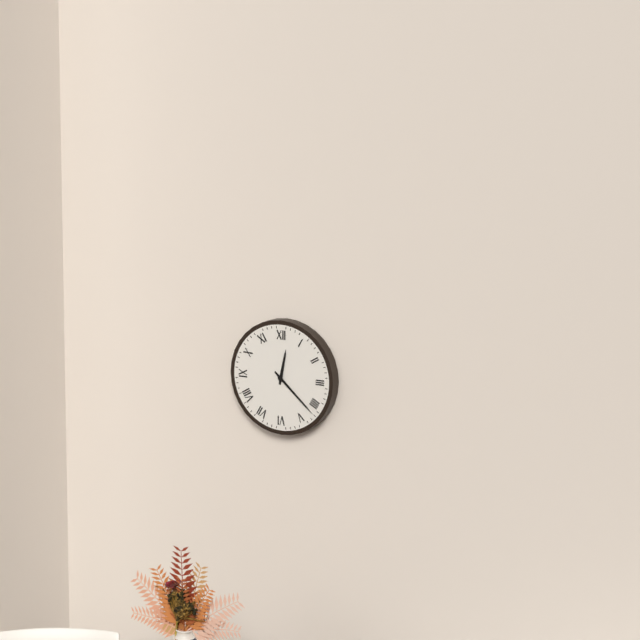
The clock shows 12.22
